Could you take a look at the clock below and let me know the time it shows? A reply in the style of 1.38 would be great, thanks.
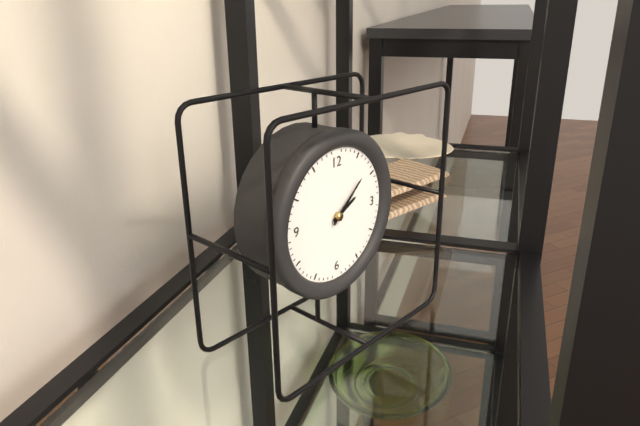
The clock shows 2.08
